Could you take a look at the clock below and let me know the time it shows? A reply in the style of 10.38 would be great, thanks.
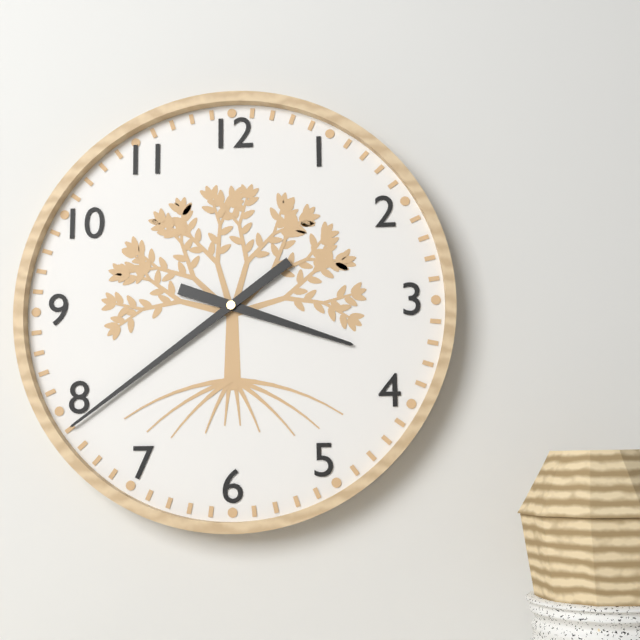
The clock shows 3.39
